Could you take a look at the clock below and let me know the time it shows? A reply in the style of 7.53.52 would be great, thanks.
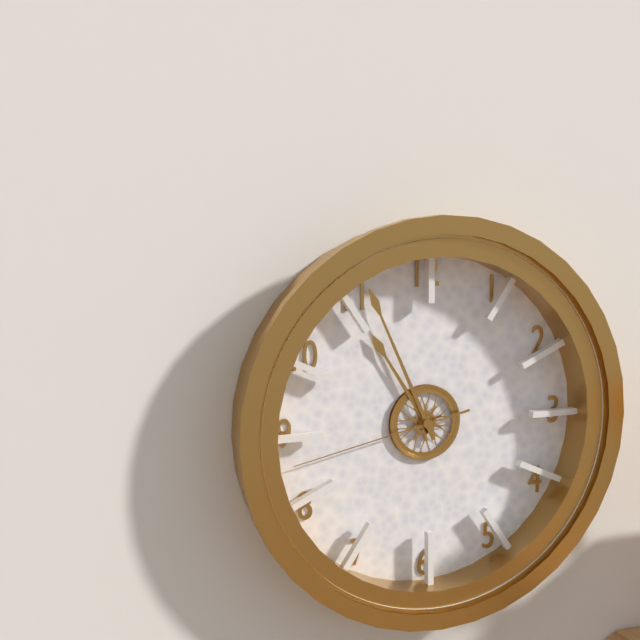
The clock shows 10.56.43
